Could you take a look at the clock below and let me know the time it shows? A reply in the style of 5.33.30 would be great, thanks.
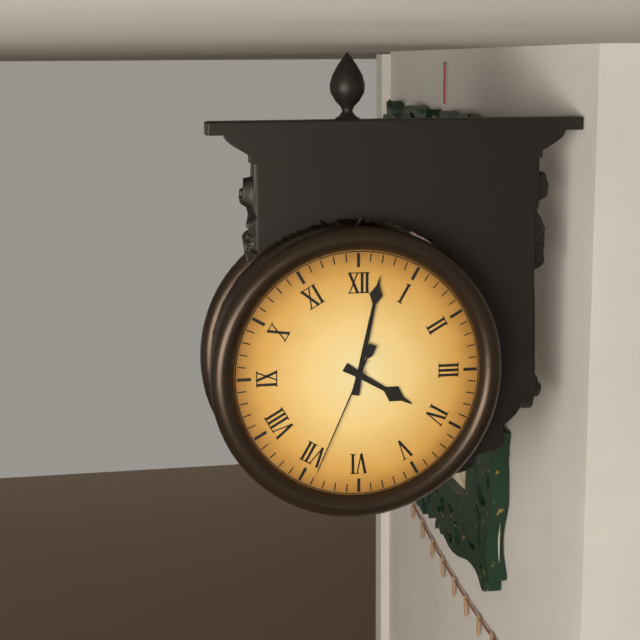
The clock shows 4.02.34
